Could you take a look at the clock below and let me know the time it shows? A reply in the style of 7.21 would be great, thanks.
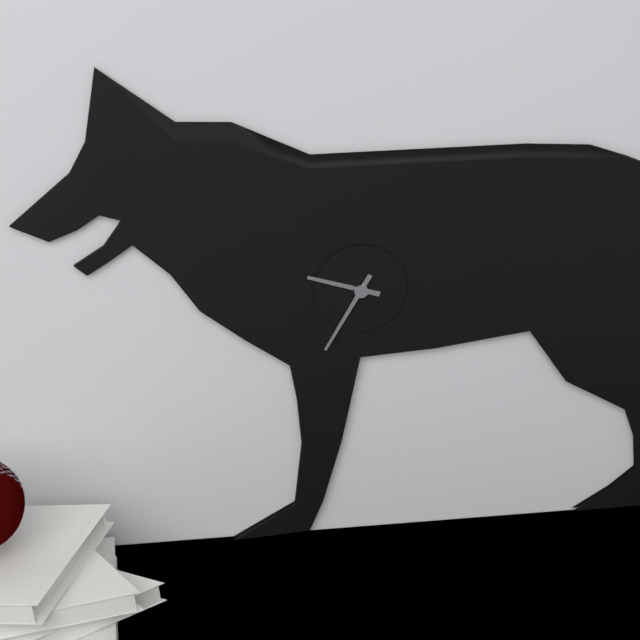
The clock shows 9.35
